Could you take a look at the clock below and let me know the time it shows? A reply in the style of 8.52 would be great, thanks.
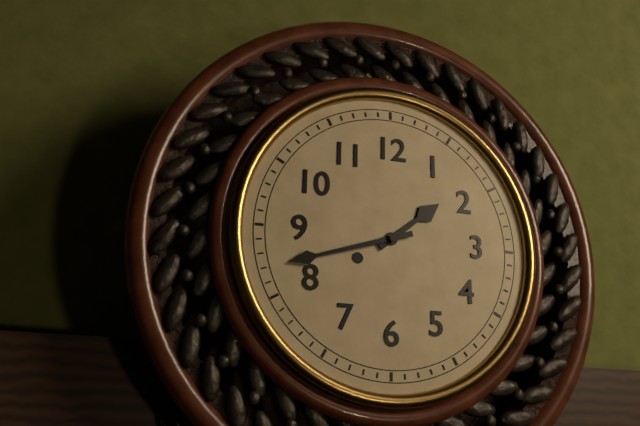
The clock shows 1.42
